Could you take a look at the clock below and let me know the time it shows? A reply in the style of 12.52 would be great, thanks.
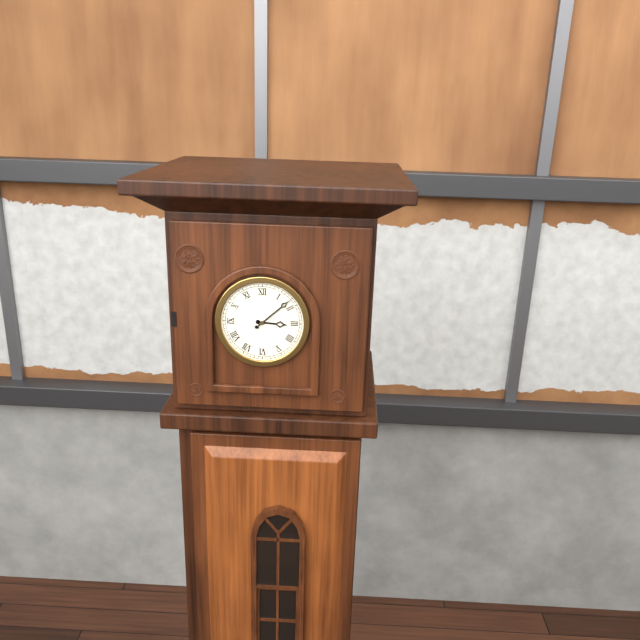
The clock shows 3.08
